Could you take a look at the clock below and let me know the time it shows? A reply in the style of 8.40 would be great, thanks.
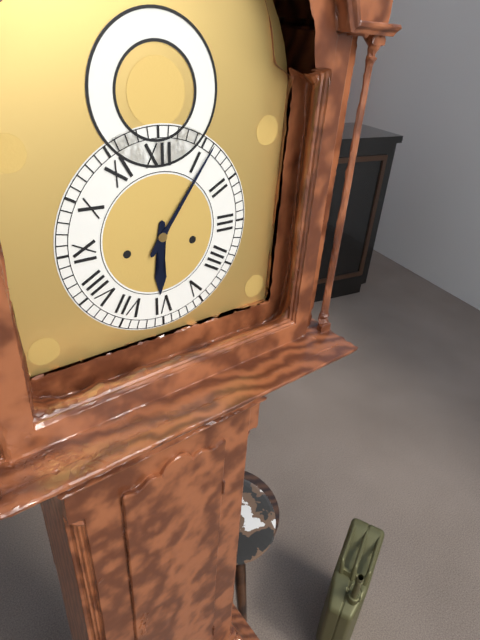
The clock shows 6.06
